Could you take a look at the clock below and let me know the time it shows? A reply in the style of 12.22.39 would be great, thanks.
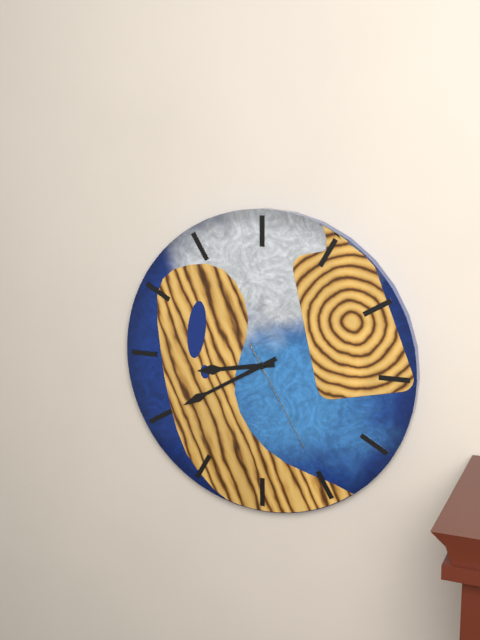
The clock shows 8.40.25
